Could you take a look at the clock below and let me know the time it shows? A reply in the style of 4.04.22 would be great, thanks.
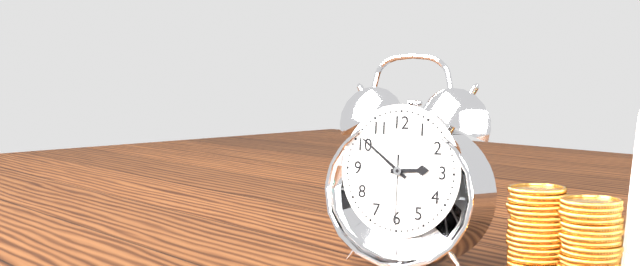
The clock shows 2.51.30
